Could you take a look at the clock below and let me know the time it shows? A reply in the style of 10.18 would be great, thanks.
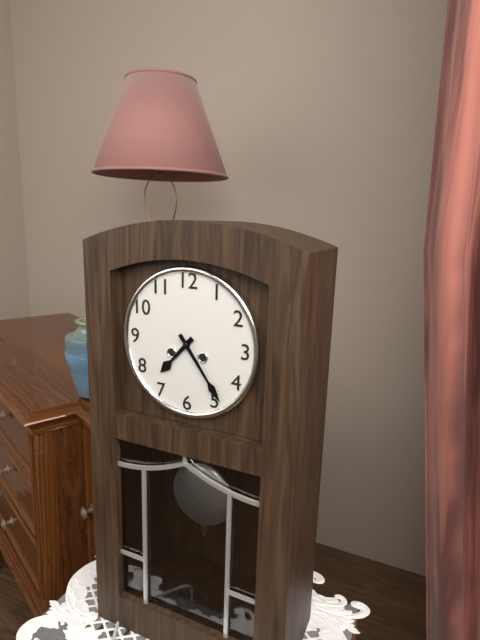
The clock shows 7.24
